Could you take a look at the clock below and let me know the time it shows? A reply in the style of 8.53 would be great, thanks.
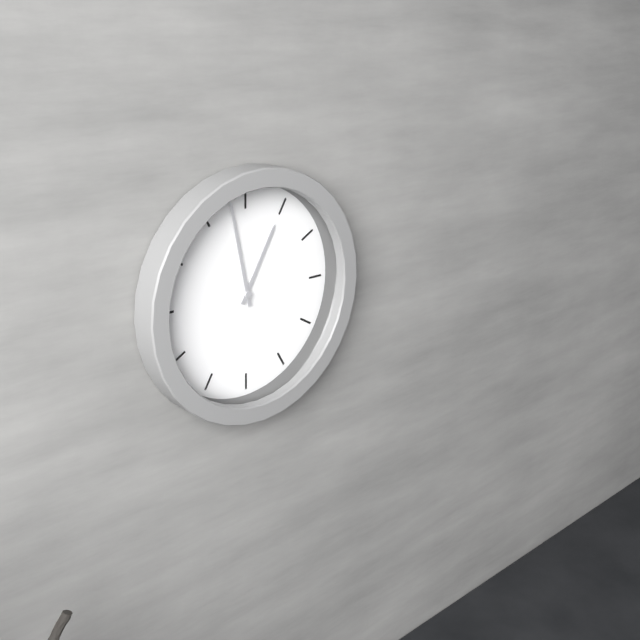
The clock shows 12.58
